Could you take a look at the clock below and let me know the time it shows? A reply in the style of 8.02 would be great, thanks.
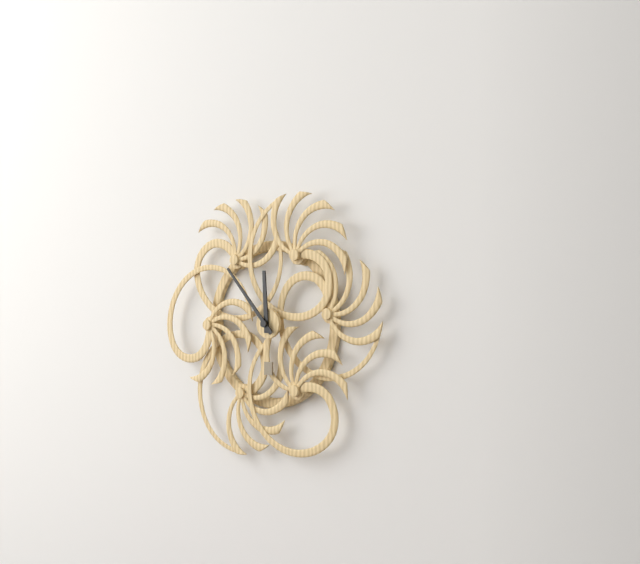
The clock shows 11.53
